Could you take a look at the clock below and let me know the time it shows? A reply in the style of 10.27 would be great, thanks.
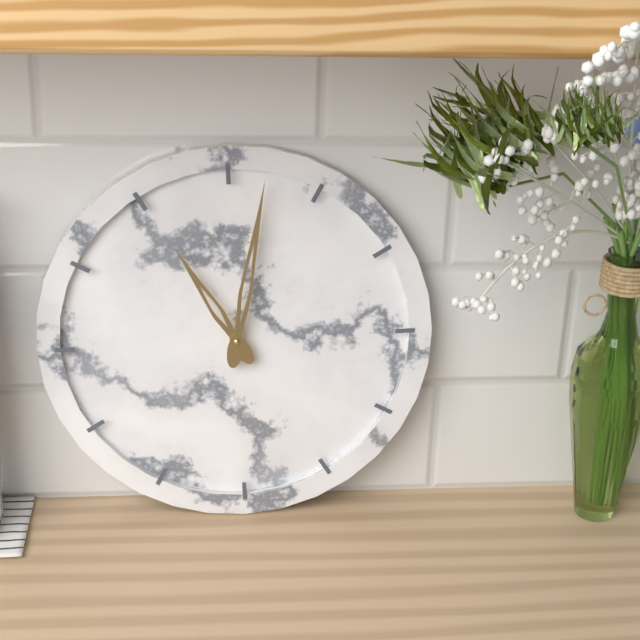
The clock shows 11.02
